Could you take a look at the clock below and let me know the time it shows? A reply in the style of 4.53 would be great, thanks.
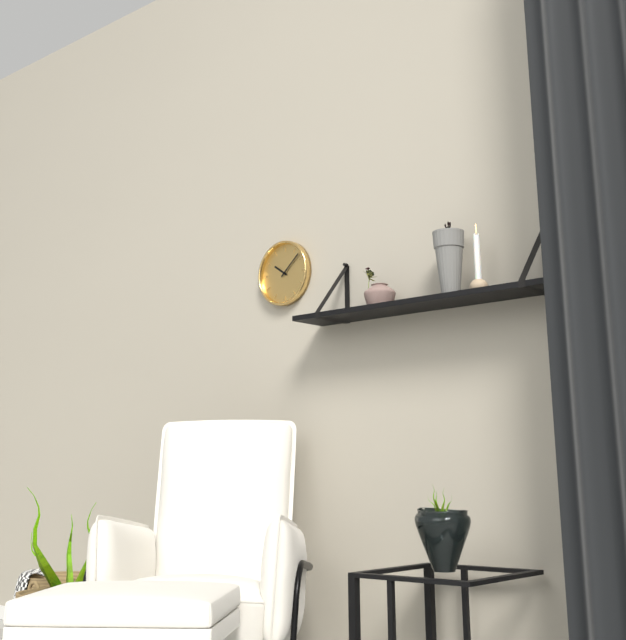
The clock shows 10.08
